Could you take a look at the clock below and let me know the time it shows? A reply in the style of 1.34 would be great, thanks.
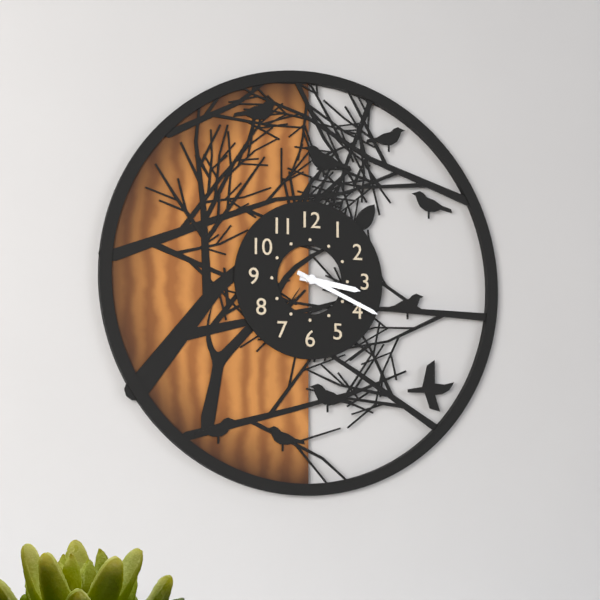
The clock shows 3.19
